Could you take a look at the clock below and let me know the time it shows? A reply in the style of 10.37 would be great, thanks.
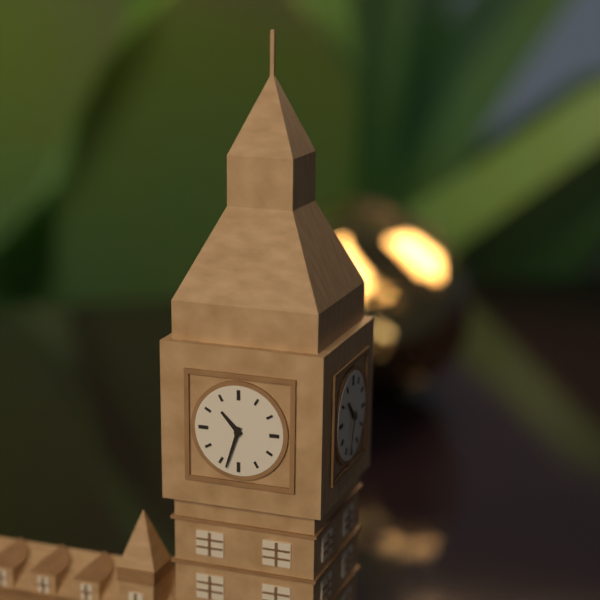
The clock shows 10.33
